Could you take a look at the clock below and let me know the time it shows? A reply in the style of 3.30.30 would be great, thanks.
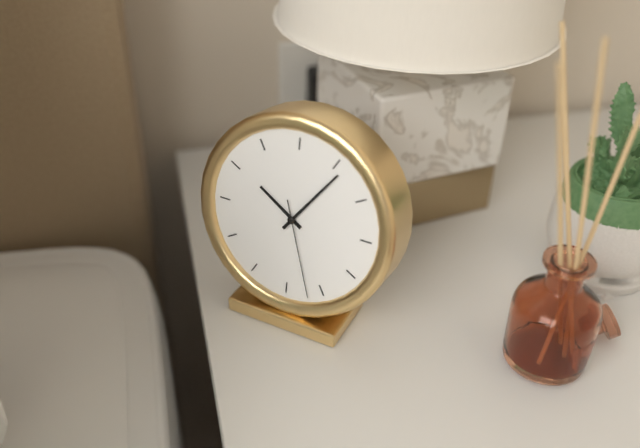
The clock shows 10.06.27
